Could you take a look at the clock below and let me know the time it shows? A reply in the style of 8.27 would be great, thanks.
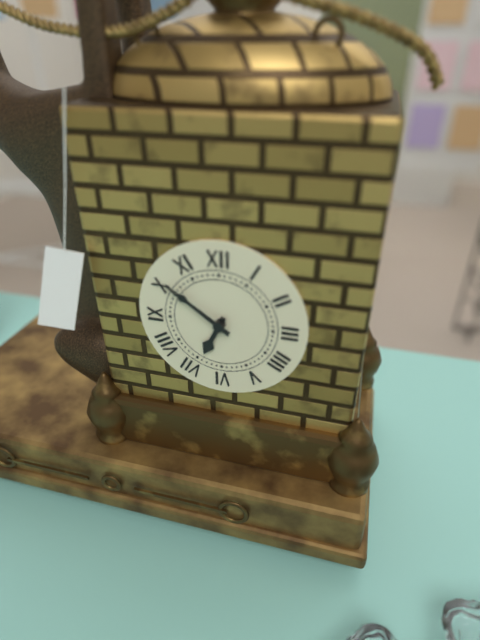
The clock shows 6.51
